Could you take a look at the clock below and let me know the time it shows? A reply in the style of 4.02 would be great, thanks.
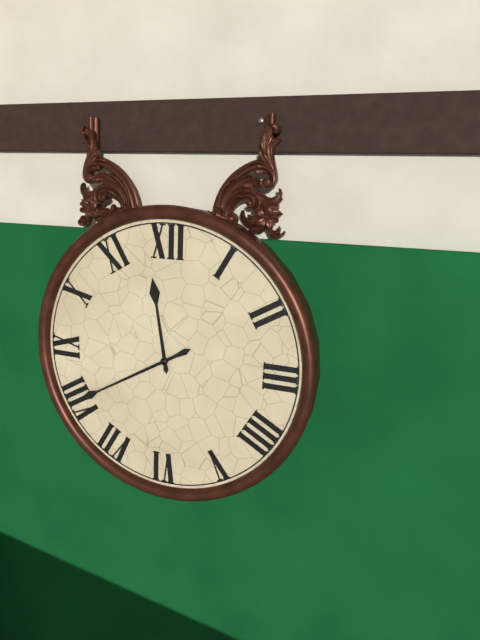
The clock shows 11.40
